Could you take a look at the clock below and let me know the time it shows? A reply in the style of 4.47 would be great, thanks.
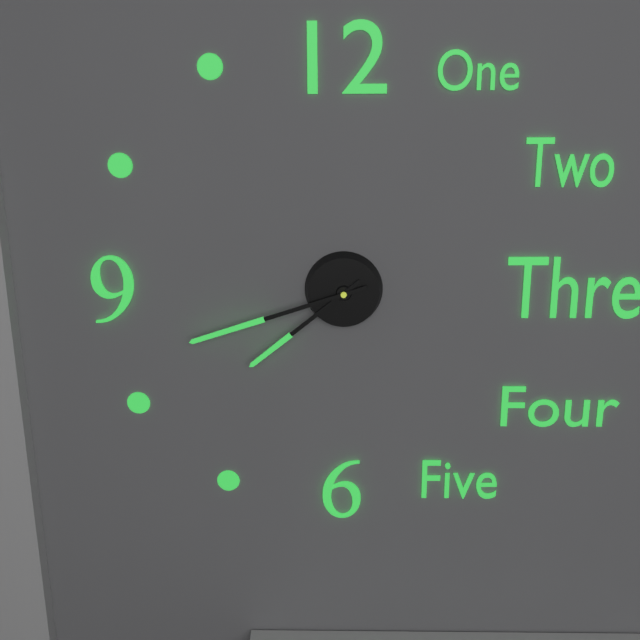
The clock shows 7.42
